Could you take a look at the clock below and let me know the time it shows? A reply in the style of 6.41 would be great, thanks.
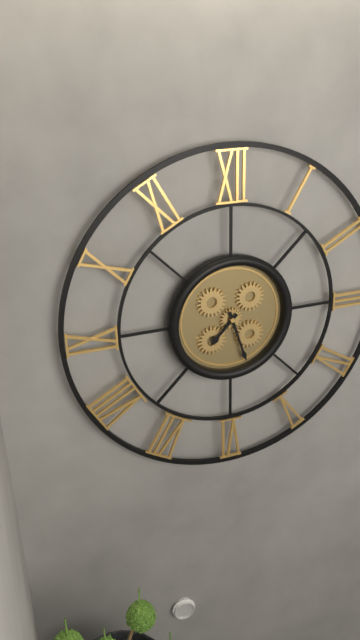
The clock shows 7.27
